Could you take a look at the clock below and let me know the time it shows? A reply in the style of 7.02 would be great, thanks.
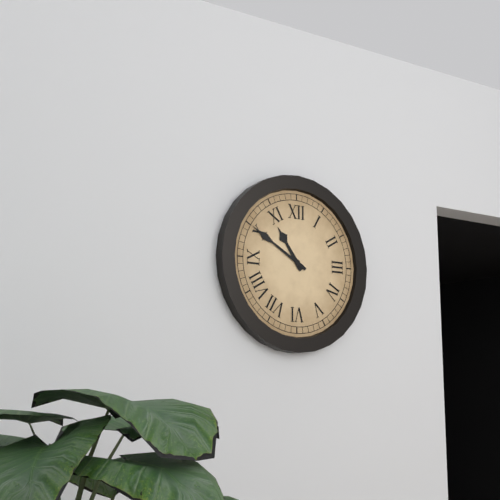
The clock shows 10.50
